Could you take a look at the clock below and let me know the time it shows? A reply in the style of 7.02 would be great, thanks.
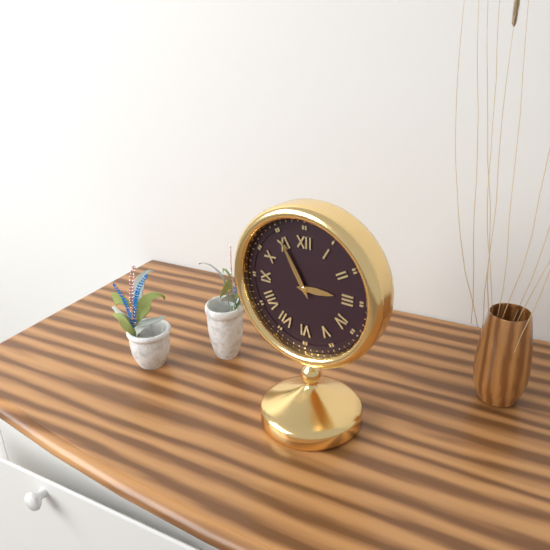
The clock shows 2.55
